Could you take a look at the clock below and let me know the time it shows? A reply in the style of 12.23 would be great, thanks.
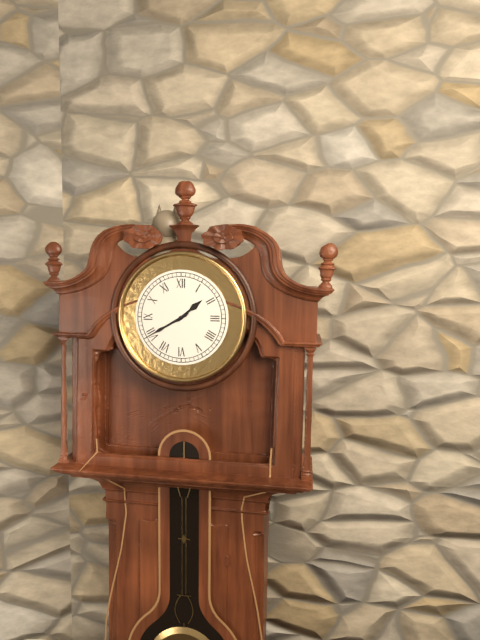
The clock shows 1.40
